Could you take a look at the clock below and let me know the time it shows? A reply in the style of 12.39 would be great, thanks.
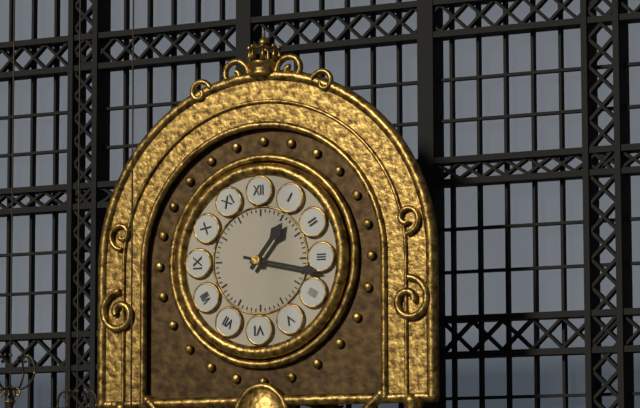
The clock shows 1.17
